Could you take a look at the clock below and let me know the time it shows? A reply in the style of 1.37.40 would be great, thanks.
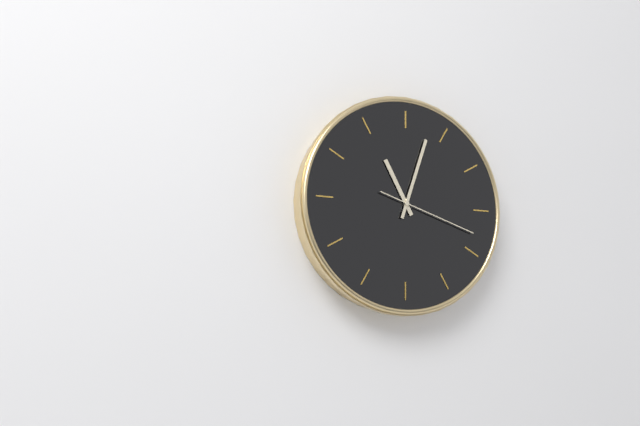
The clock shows 11.03.18
